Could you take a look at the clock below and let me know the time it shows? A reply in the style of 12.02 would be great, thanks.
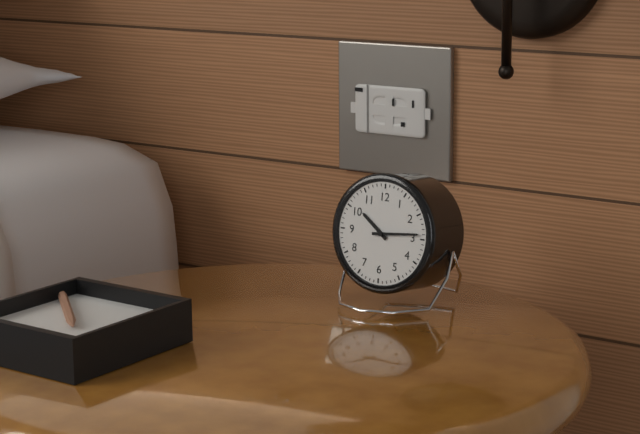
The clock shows 10.14
